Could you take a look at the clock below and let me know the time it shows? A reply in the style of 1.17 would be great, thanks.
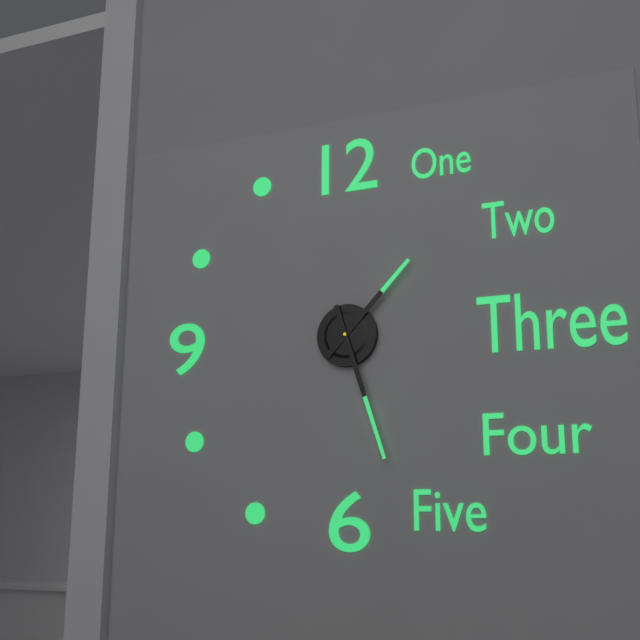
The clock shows 1.27
